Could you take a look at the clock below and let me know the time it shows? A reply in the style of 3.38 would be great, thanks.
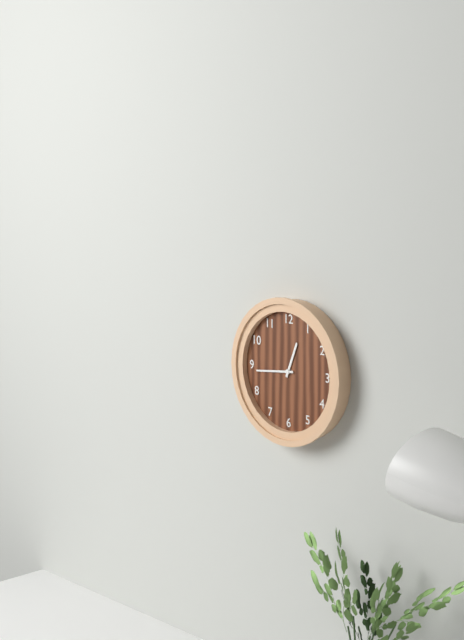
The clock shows 12.44
